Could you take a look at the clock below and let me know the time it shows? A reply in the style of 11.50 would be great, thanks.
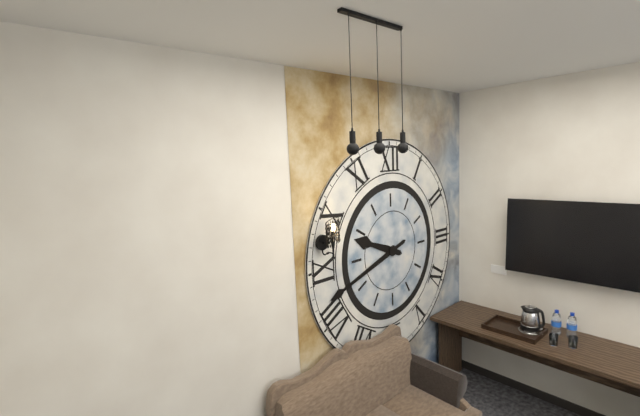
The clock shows 9.42
